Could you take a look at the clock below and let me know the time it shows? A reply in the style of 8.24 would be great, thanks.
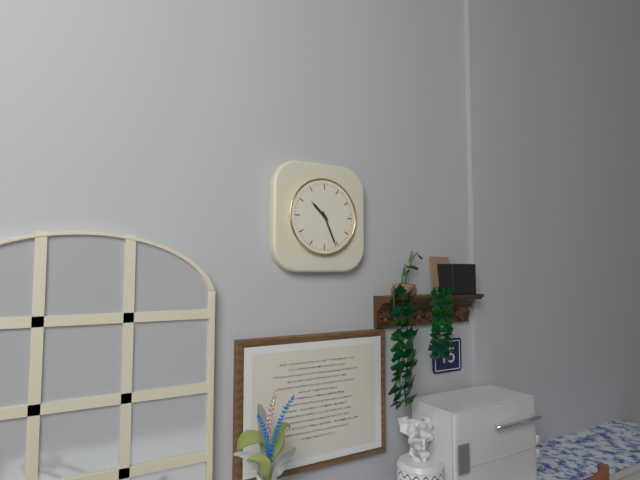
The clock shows 10.26
